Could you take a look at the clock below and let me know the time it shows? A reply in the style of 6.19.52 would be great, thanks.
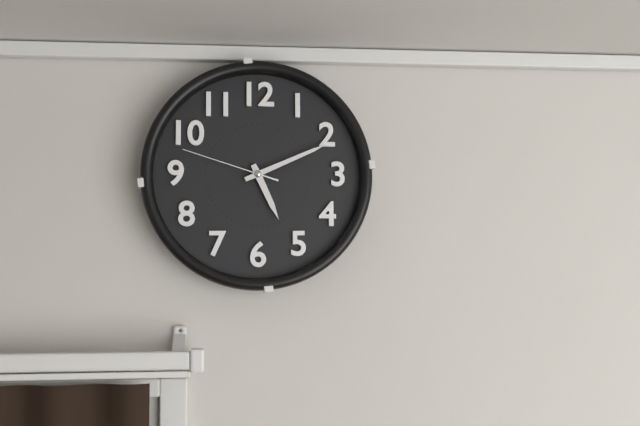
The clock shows 5.11.48
